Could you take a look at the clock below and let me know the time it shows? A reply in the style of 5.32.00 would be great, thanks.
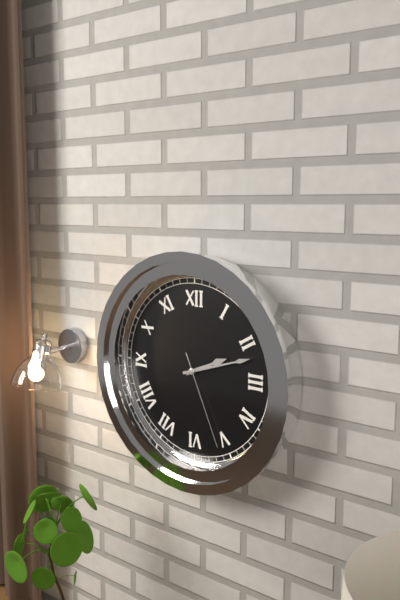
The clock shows 2.12.26
